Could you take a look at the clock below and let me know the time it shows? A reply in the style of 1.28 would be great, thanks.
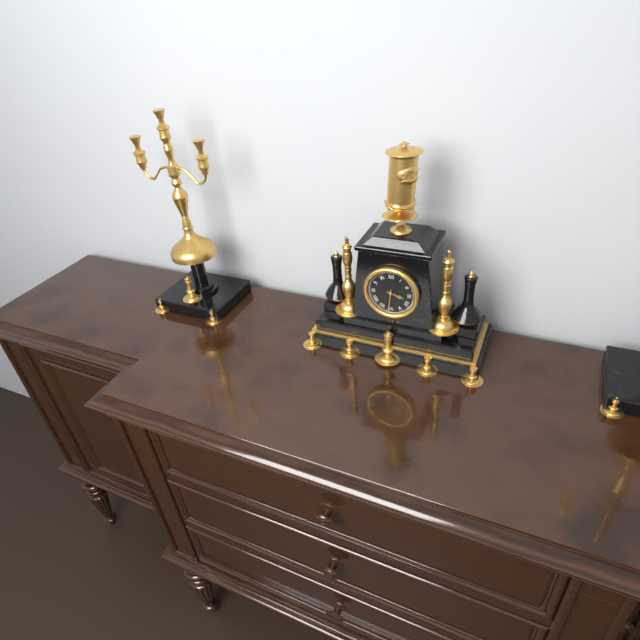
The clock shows 3.31
